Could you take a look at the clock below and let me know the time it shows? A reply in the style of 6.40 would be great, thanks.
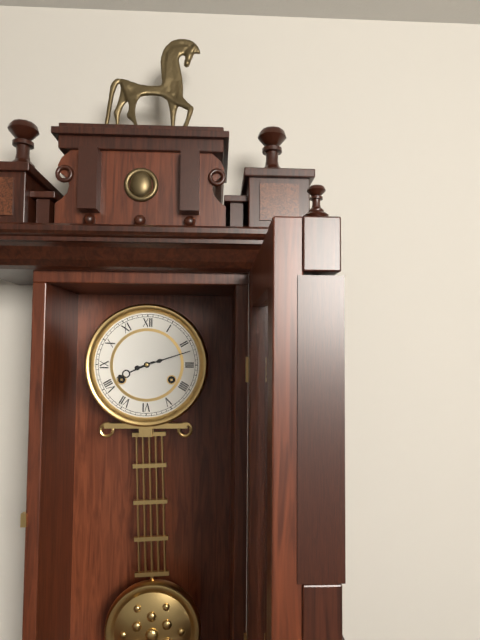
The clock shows 8.12
